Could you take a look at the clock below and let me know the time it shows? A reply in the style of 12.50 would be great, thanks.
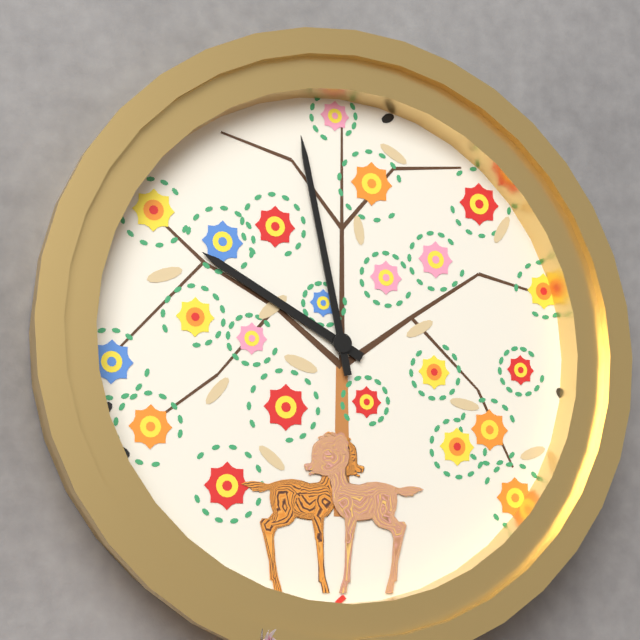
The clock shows 9.58
